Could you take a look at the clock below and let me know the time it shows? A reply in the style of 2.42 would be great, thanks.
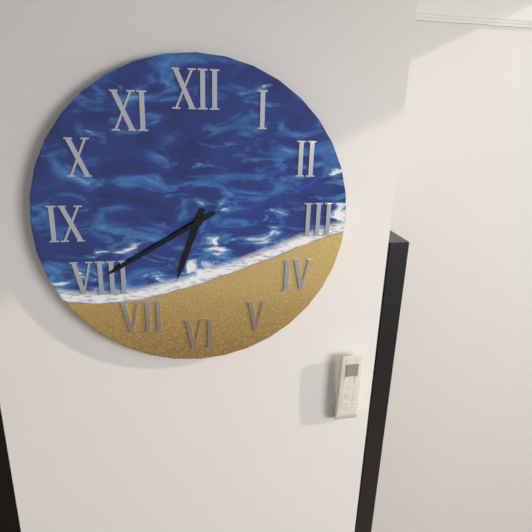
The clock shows 6.40
